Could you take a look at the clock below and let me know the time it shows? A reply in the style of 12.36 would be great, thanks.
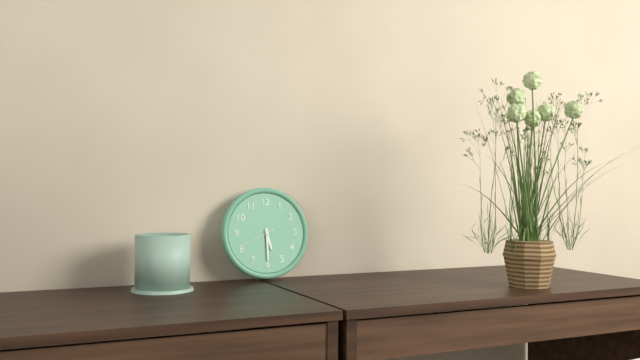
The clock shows 5.30
